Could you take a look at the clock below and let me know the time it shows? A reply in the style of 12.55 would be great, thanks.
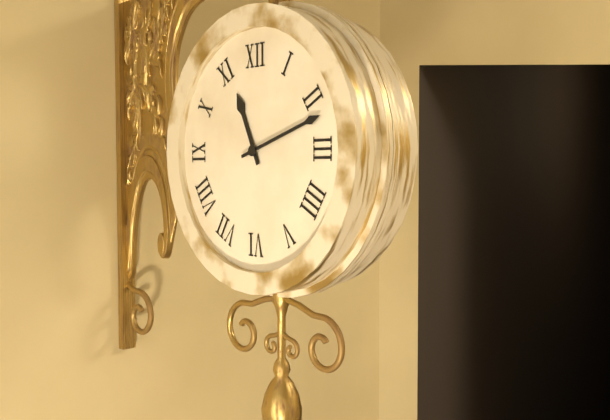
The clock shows 11.12
